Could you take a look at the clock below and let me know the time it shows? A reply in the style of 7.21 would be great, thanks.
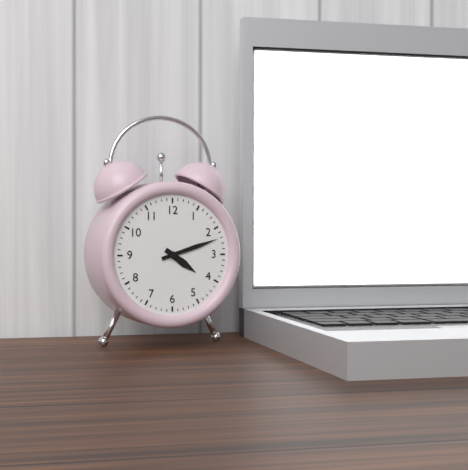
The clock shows 4.12
